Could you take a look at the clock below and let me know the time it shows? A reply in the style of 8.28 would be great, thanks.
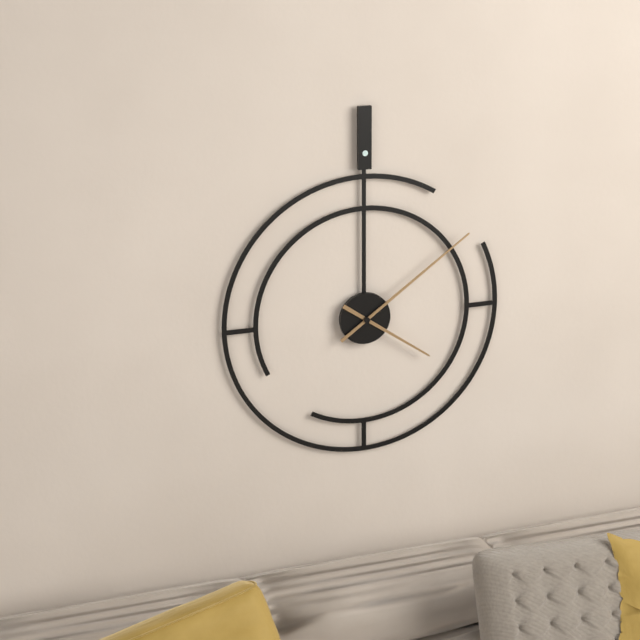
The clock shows 4.09
